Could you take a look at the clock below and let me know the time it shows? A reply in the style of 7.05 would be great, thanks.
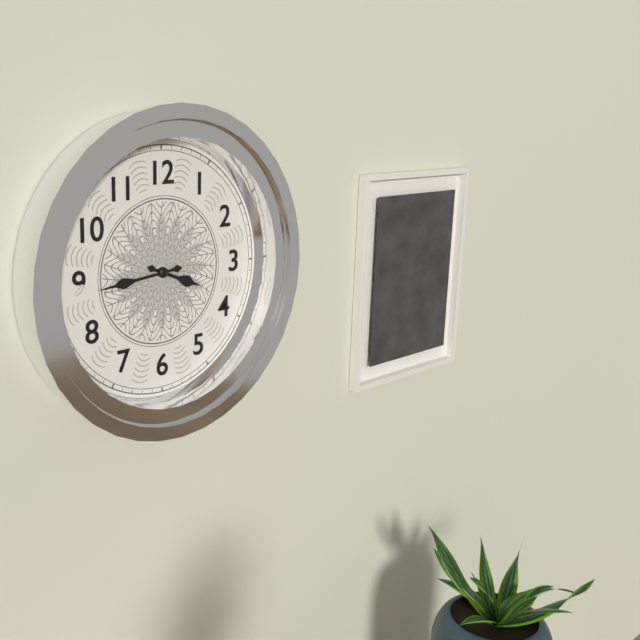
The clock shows 3.44
